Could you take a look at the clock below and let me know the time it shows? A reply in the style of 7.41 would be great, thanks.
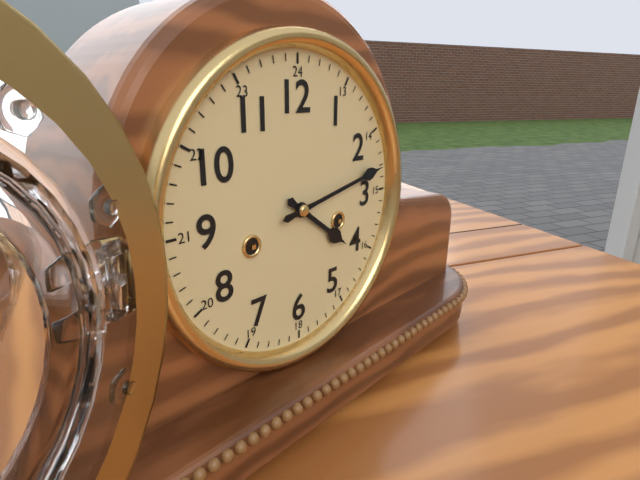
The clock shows 4.13
